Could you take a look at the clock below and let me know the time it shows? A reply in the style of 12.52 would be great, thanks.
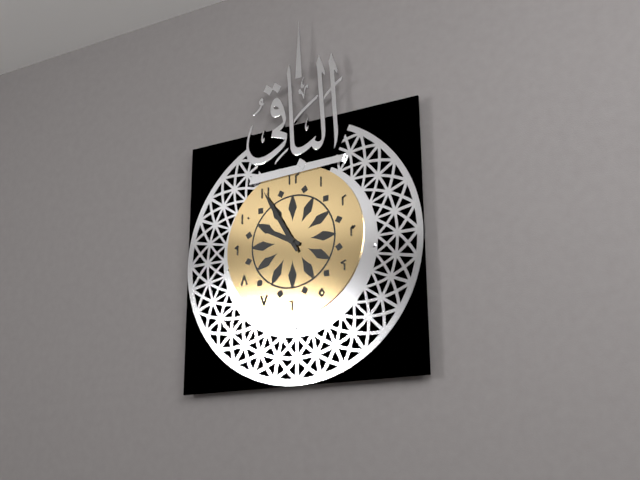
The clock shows 9.55
